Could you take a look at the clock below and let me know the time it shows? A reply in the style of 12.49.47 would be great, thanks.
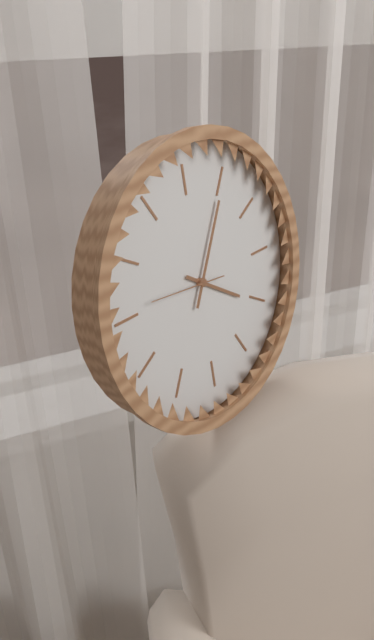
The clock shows 4.05.46
